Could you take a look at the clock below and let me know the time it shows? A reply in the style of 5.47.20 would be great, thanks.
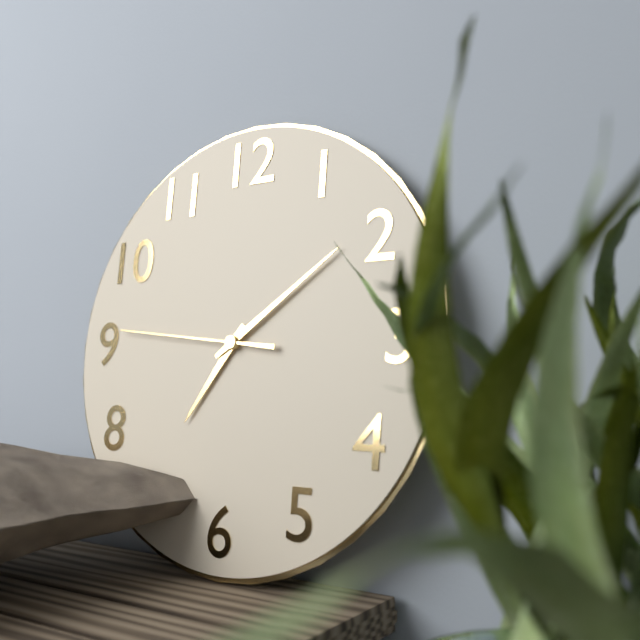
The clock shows 7.09.46
